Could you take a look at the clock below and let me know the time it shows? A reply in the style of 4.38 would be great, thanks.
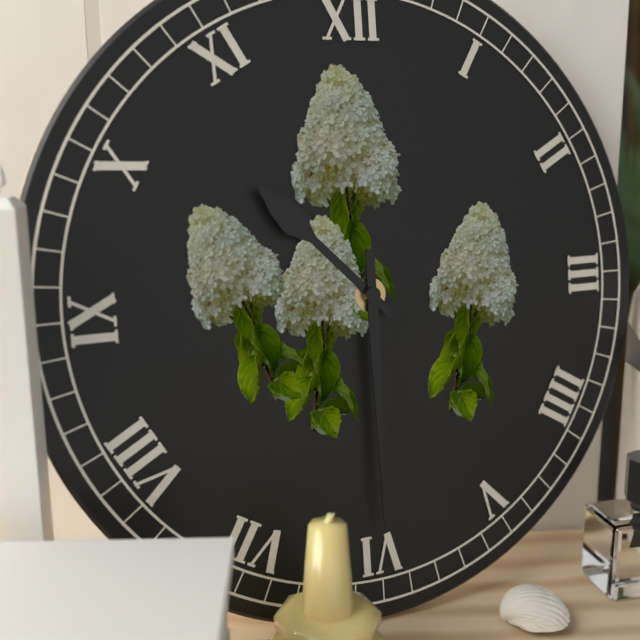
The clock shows 10.30
